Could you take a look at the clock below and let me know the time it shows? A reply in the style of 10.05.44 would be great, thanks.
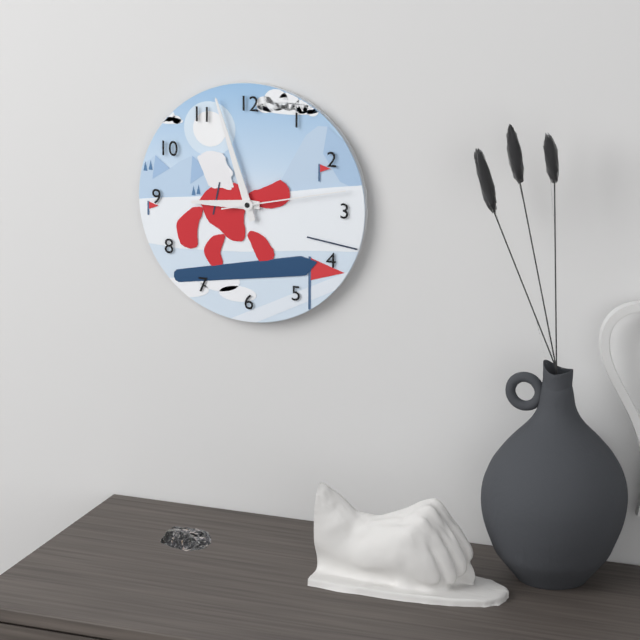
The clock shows 8.57.13
